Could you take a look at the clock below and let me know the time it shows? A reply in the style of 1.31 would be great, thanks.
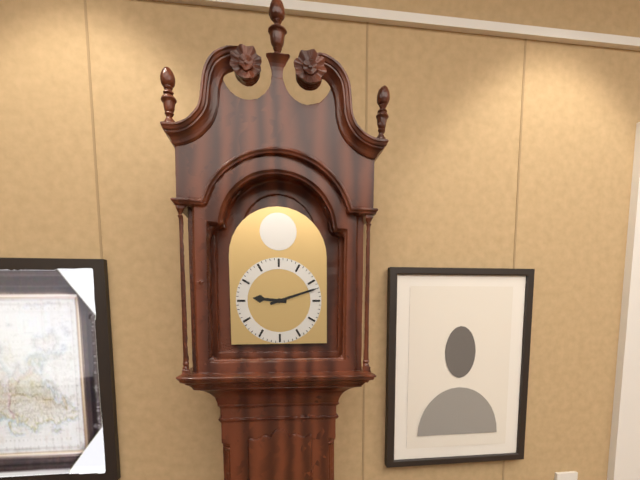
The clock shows 9.12
